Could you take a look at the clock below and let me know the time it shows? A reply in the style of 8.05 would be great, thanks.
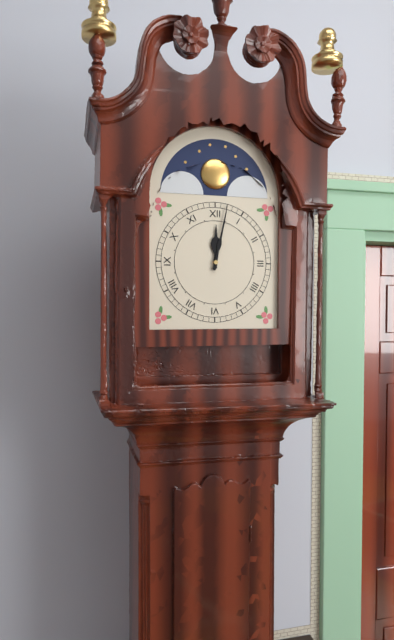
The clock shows 12.02
